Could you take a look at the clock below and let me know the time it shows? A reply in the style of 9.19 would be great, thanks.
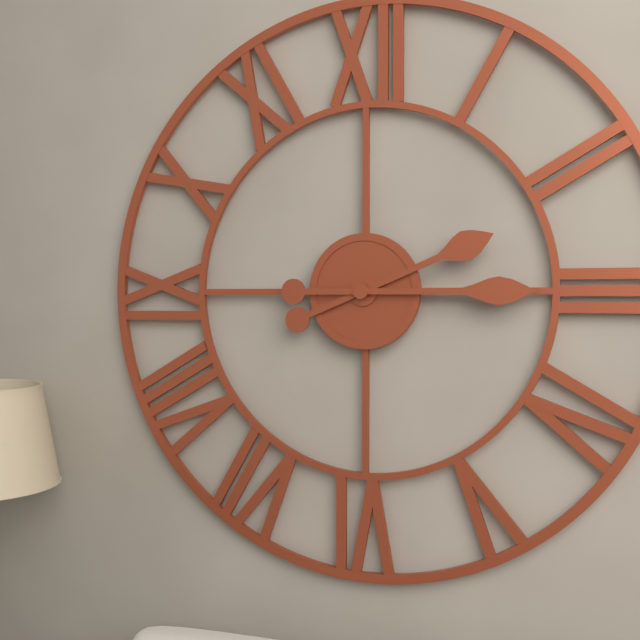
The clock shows 2.15
